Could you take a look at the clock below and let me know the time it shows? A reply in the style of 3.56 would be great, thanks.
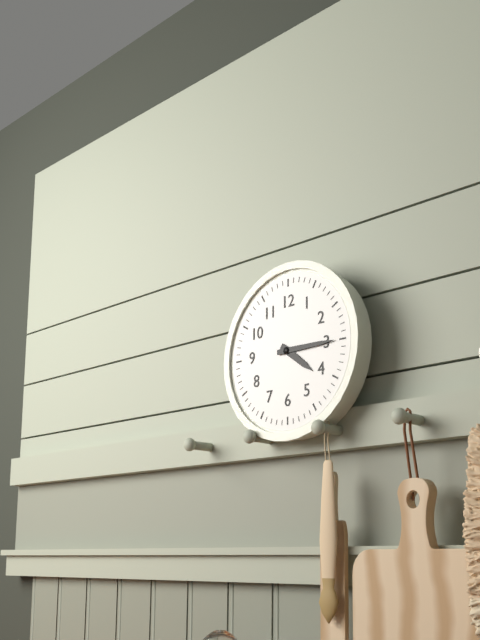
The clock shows 4.15
